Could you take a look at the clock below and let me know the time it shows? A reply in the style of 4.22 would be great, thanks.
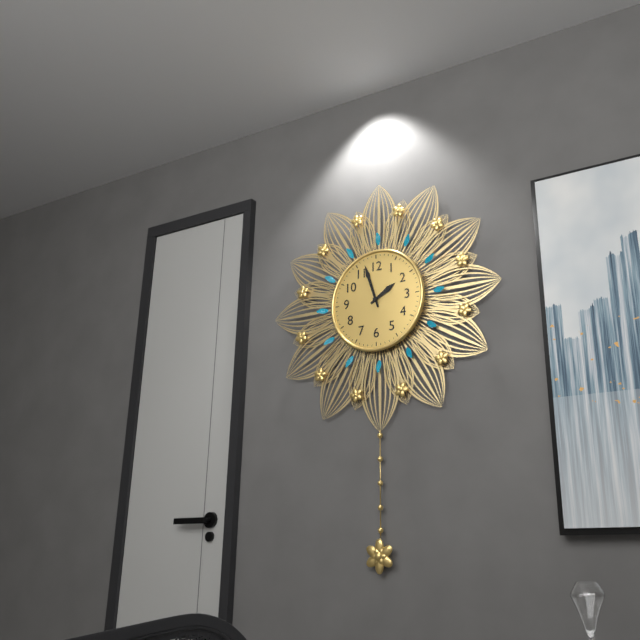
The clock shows 1.57
